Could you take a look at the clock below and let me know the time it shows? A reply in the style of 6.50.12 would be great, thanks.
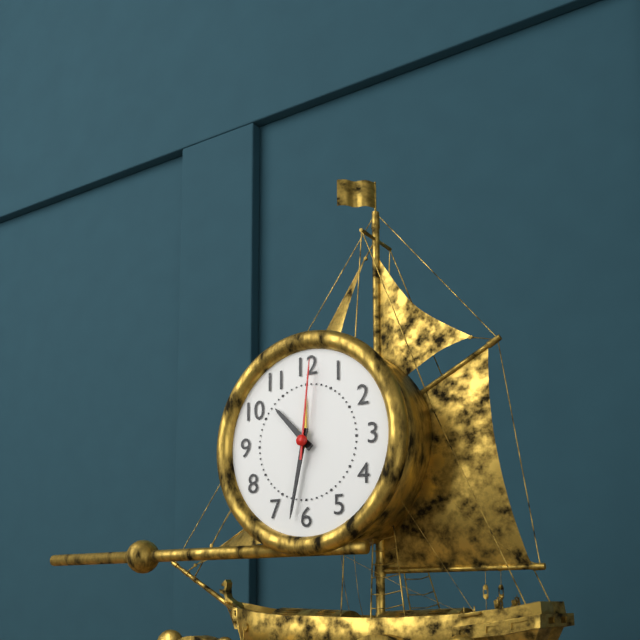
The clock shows 10.32.01
